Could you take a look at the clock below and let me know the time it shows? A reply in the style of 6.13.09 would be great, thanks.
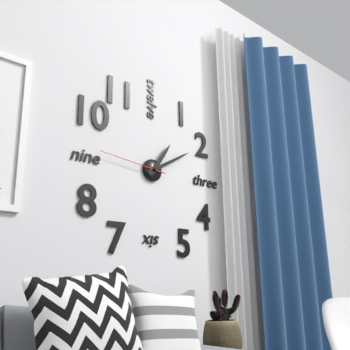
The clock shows 1.10.46
